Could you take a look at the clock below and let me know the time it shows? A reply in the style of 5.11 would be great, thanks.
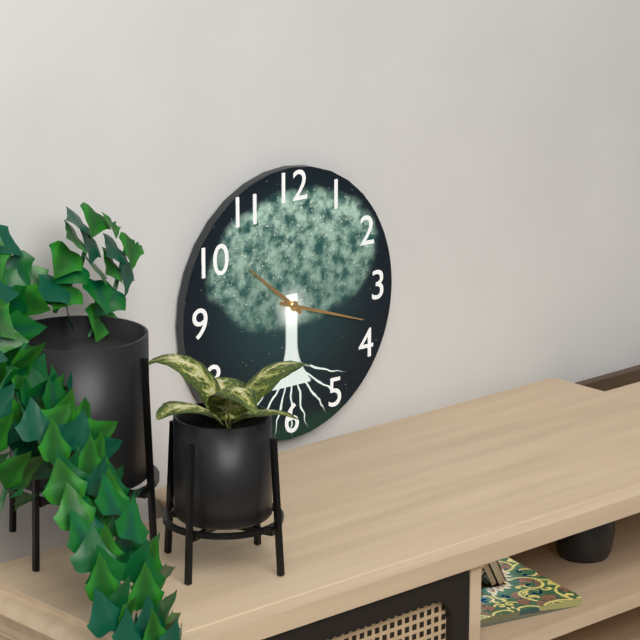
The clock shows 10.18
